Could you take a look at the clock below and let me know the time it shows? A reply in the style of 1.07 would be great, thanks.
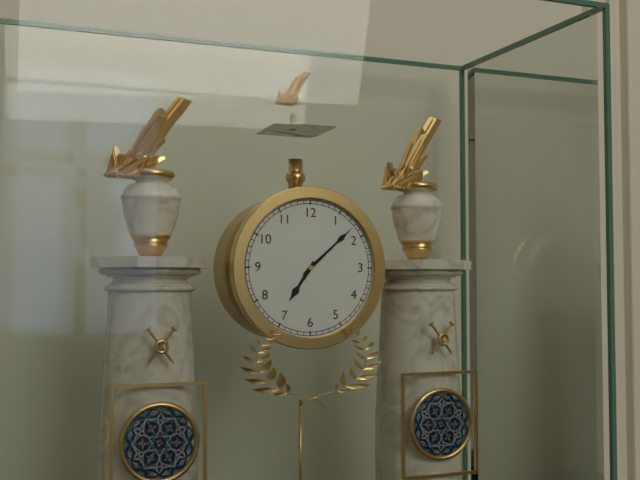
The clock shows 7.08
